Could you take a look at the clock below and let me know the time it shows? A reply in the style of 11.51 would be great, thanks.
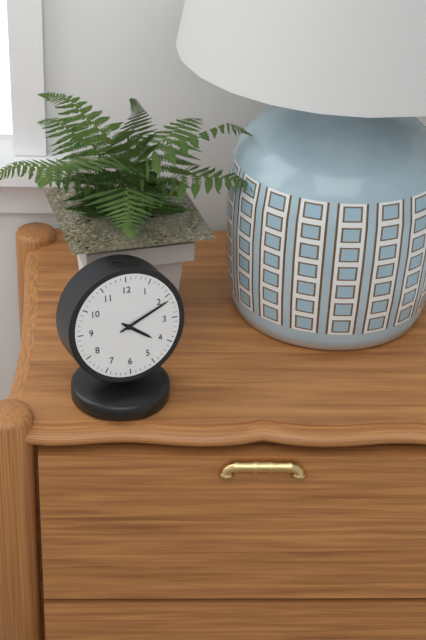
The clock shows 4.11
